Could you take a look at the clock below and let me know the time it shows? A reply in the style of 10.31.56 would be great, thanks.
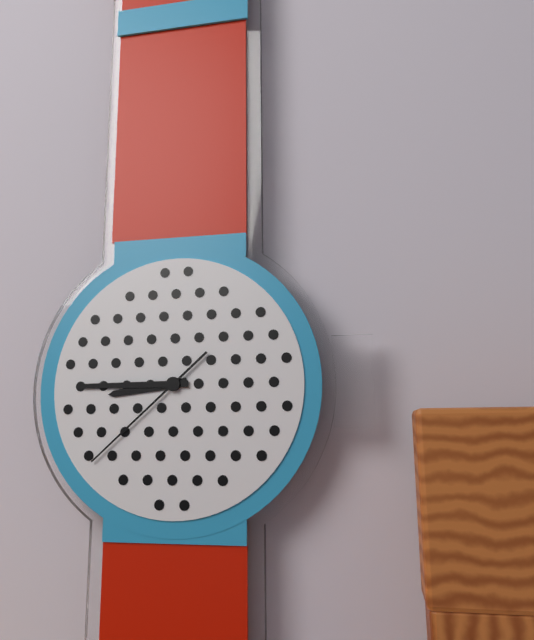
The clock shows 8.45.38
